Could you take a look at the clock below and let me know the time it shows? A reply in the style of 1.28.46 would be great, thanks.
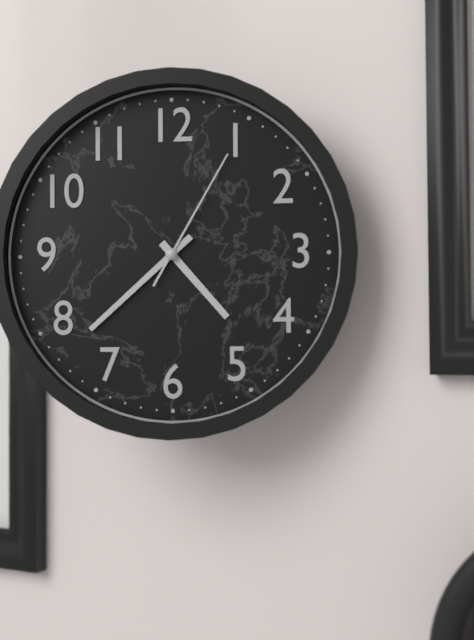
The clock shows 4.38.05
